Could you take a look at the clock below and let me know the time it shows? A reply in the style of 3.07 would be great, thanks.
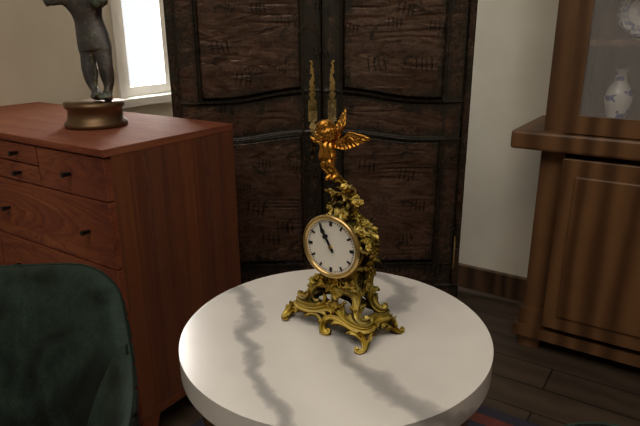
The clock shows 10.55
